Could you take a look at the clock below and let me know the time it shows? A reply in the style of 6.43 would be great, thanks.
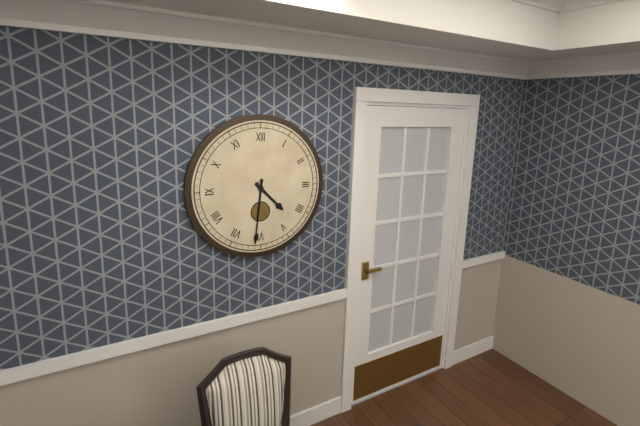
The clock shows 4.31
